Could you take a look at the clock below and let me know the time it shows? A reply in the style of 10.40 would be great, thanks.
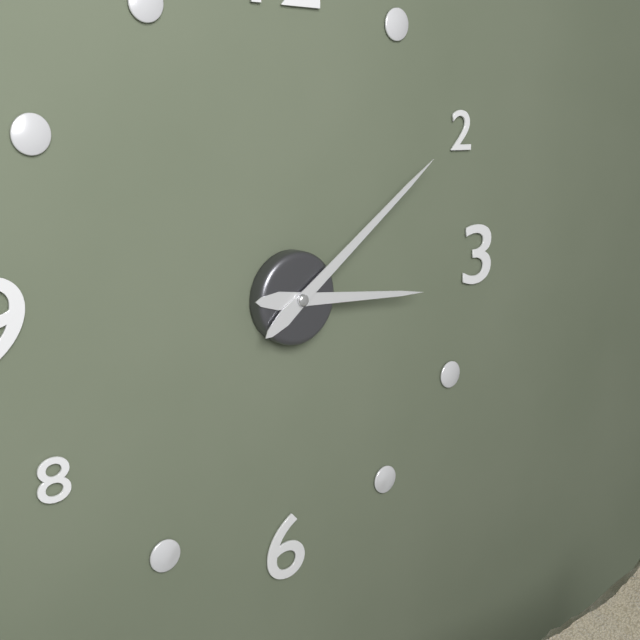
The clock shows 3.09
